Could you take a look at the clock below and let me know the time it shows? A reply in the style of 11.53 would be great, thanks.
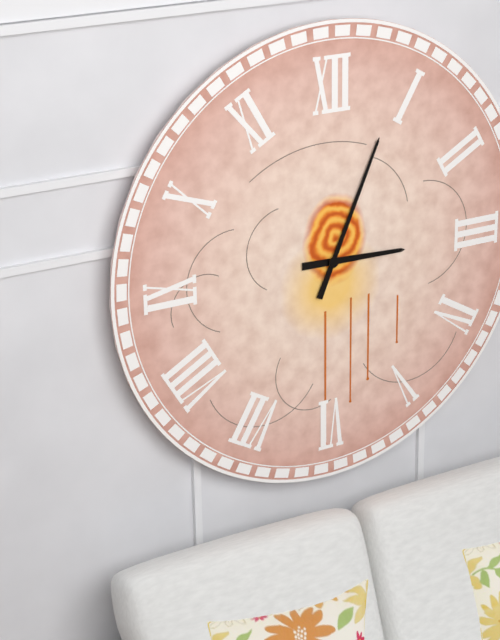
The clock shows 3.04
